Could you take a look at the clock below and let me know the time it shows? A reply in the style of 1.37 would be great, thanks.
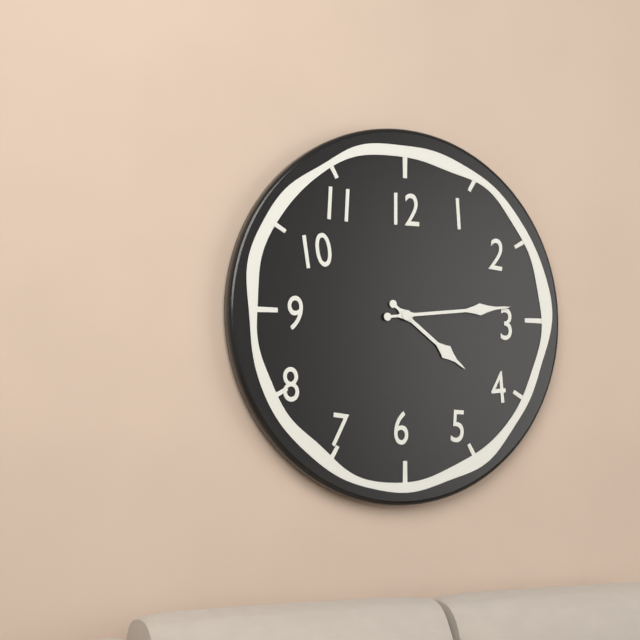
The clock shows 4.14
